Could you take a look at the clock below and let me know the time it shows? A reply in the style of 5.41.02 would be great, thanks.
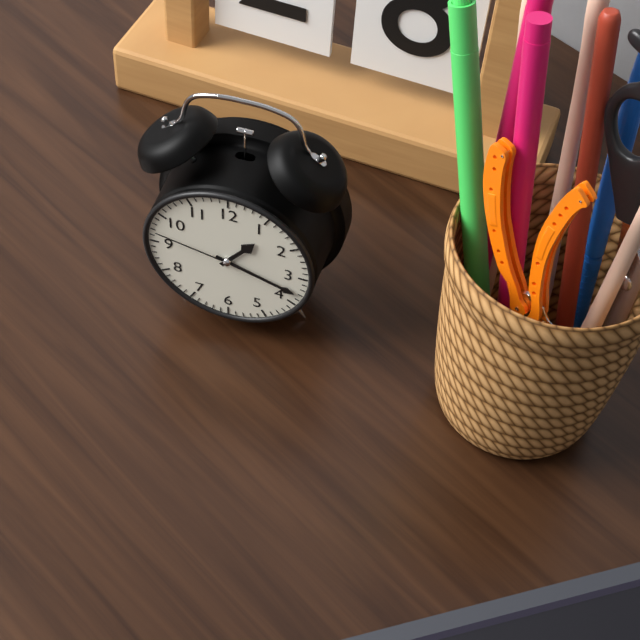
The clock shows 1.18.47
